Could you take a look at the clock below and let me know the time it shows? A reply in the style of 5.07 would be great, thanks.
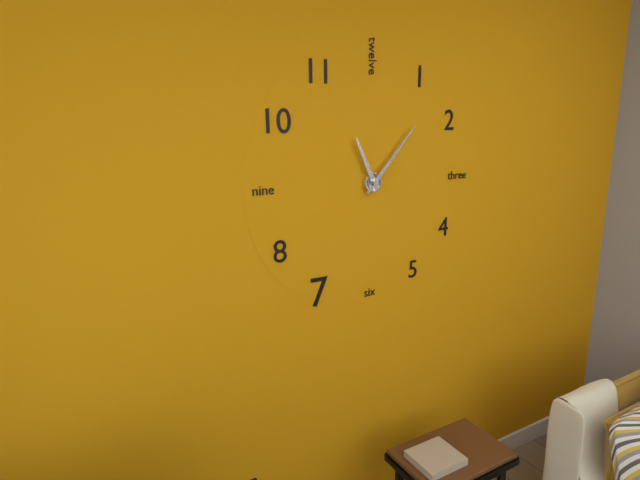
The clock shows 11.07
